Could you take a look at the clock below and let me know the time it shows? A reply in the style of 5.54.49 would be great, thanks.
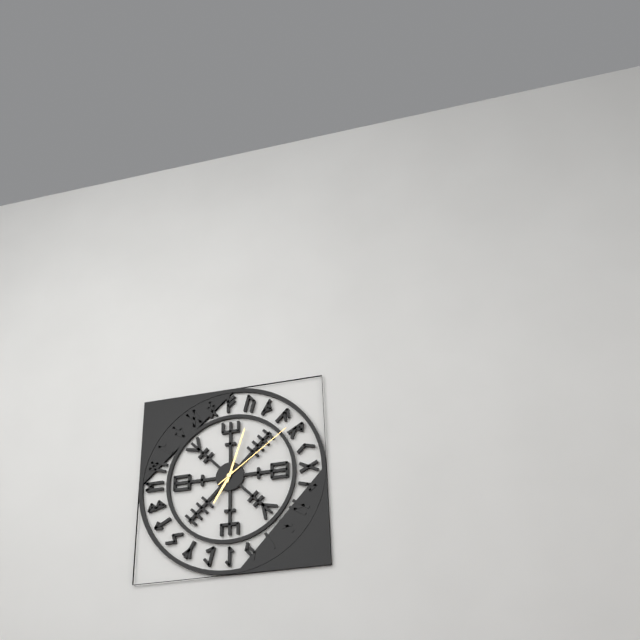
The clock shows 7.03.09
